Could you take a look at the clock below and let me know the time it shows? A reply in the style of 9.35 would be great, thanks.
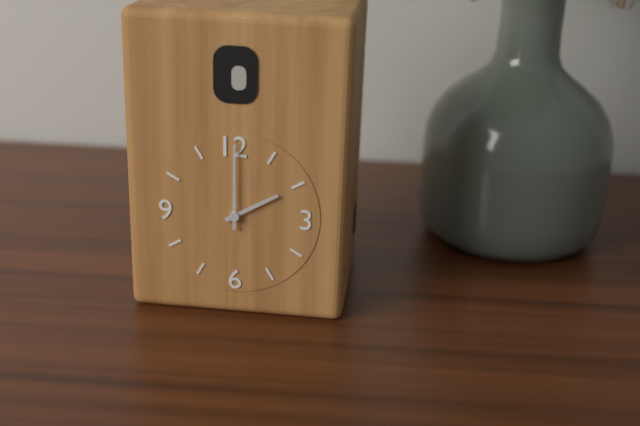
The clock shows 2.00
